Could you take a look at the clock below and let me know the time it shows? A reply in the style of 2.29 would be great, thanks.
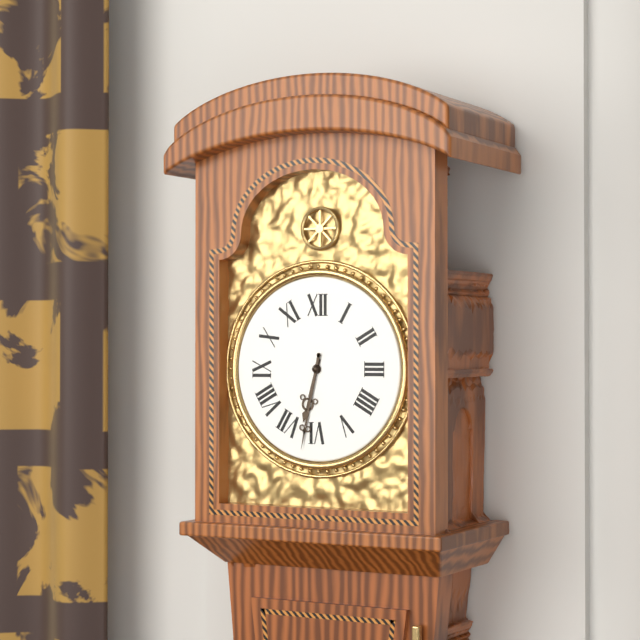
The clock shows 6.32
